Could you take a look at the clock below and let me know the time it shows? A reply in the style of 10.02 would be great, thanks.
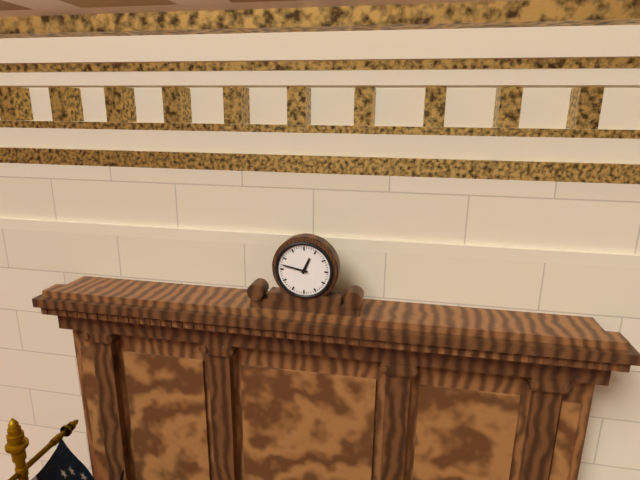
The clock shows 12.47
